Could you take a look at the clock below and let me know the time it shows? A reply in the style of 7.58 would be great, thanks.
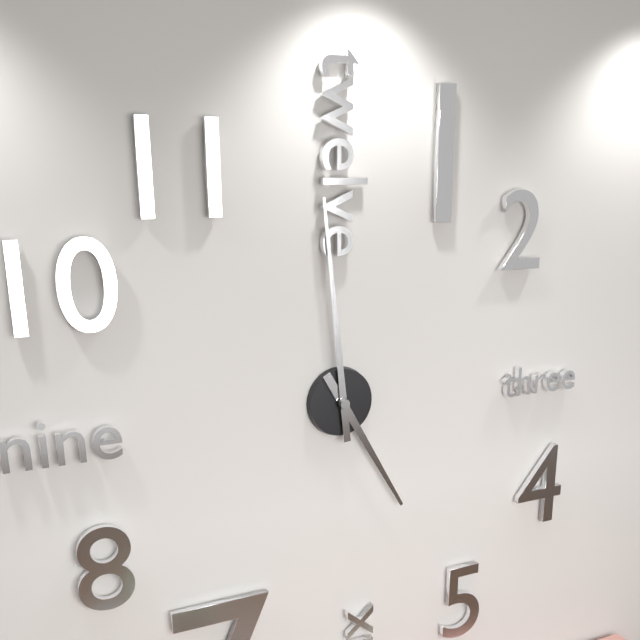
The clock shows 4.59
